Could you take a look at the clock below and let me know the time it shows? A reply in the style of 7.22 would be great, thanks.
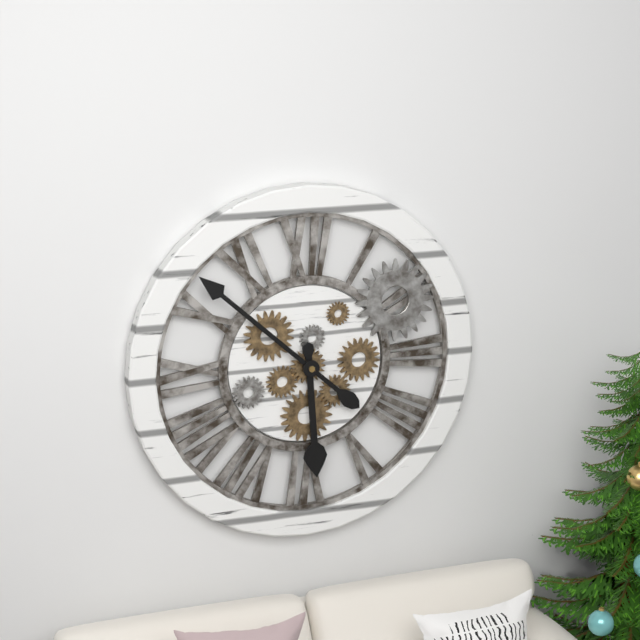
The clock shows 5.52
